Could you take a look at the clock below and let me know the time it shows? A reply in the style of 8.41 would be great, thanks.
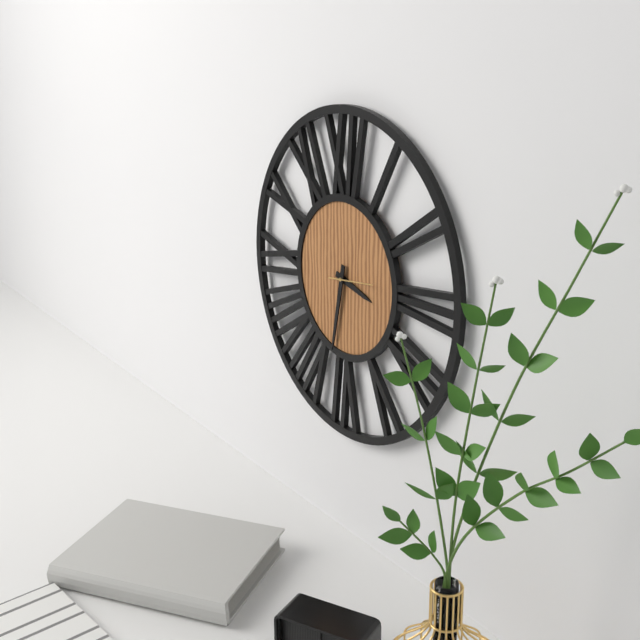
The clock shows 3.32
